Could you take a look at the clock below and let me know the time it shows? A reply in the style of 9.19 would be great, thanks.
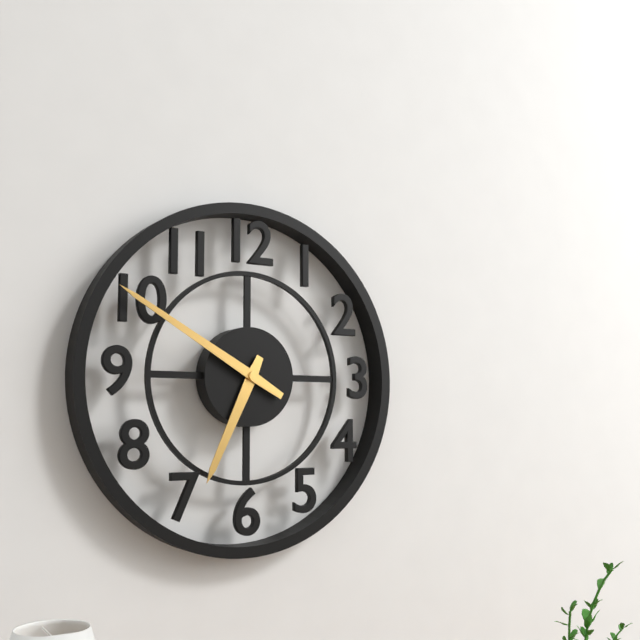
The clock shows 6.50
